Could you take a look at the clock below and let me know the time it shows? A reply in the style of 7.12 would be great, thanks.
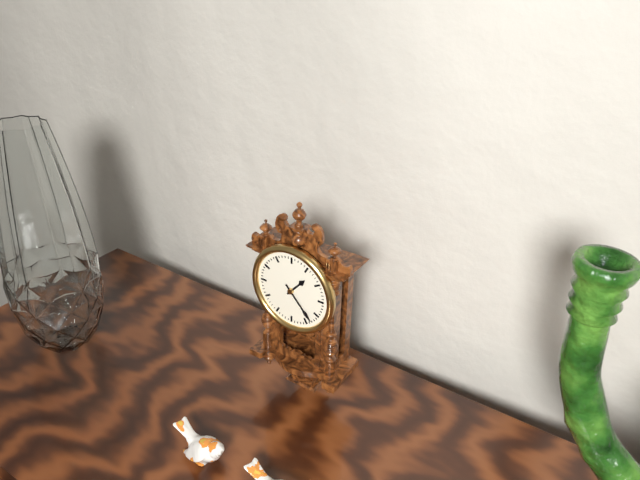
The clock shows 1.23
